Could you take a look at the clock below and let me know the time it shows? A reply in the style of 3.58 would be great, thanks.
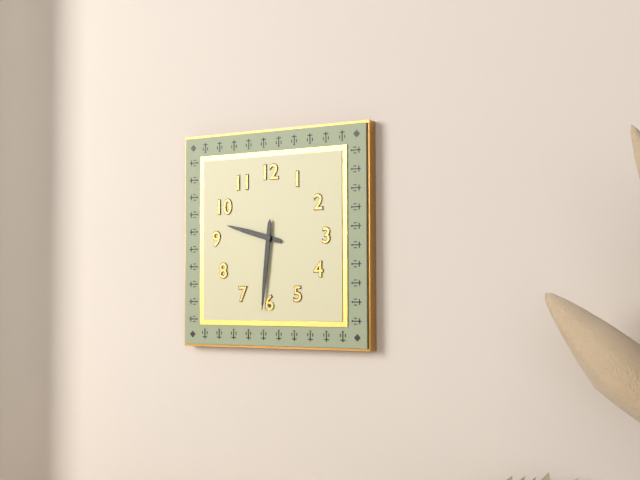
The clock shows 9.31
